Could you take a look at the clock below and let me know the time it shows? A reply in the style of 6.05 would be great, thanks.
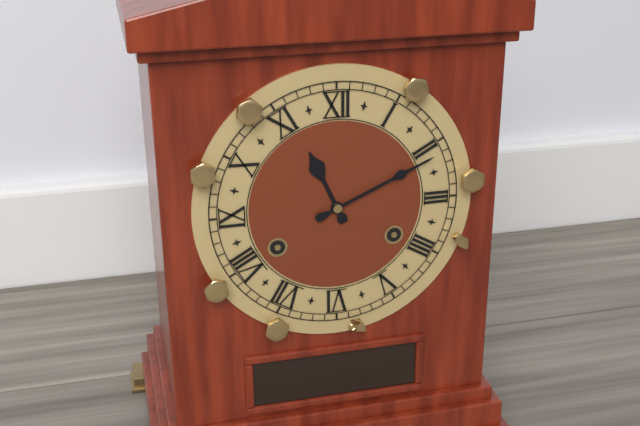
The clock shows 11.11
